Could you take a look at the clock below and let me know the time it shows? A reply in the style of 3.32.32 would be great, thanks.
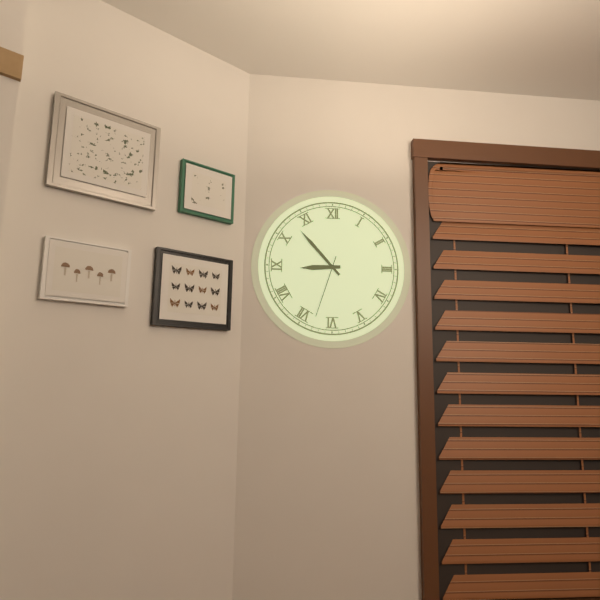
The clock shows 8.53.33
